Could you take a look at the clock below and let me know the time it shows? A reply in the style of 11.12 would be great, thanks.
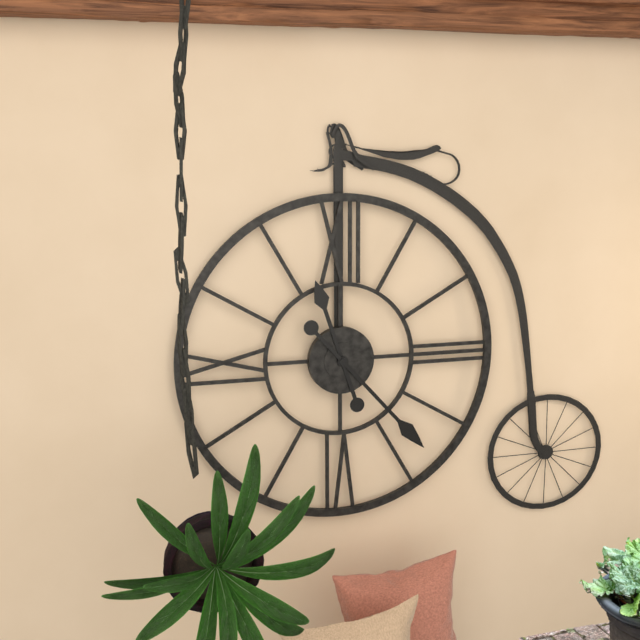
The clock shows 11.23
